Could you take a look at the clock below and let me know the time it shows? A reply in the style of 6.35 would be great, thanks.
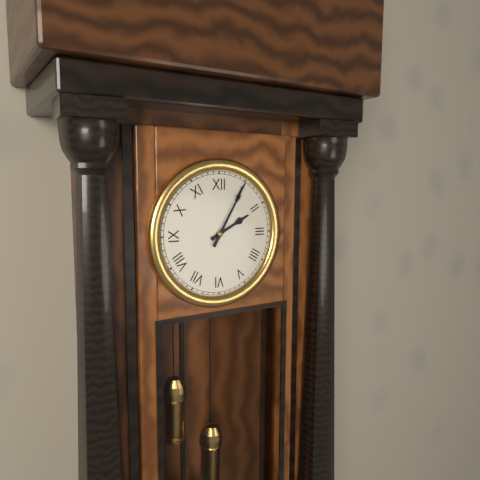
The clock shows 2.05
